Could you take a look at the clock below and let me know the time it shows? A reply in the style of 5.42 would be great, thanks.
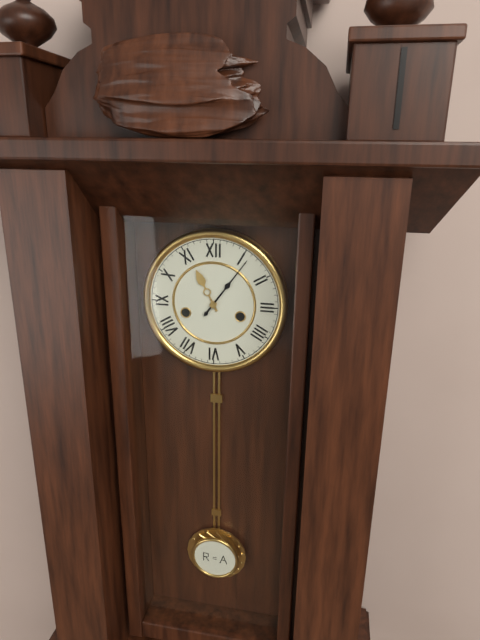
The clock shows 11.06
